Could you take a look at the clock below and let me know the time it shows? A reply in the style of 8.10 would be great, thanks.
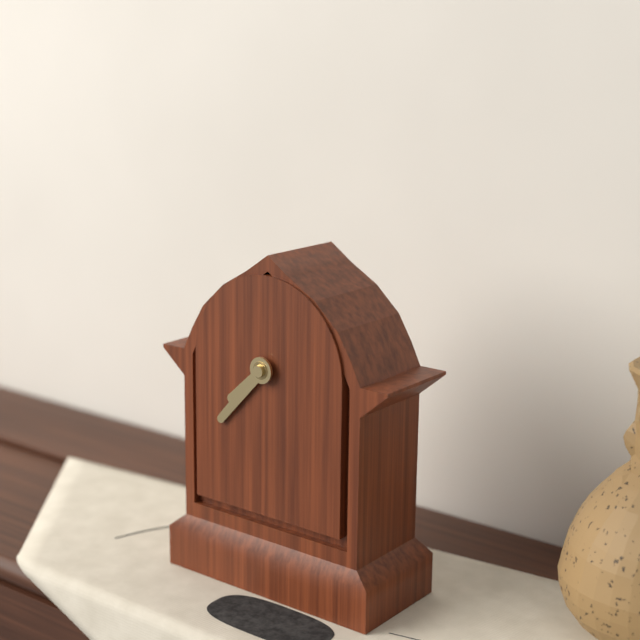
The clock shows 7.37
